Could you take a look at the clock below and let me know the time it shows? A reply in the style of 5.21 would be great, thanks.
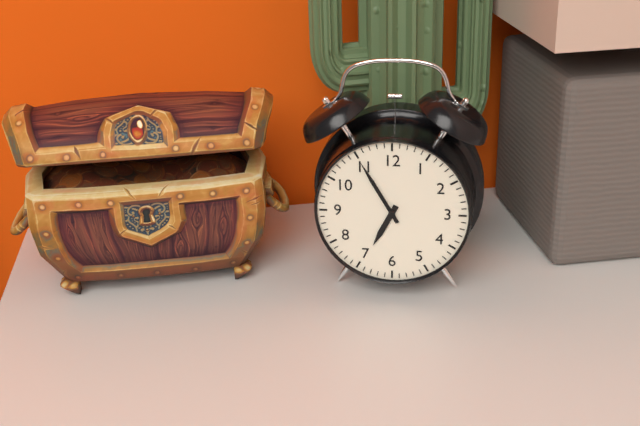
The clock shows 6.55
